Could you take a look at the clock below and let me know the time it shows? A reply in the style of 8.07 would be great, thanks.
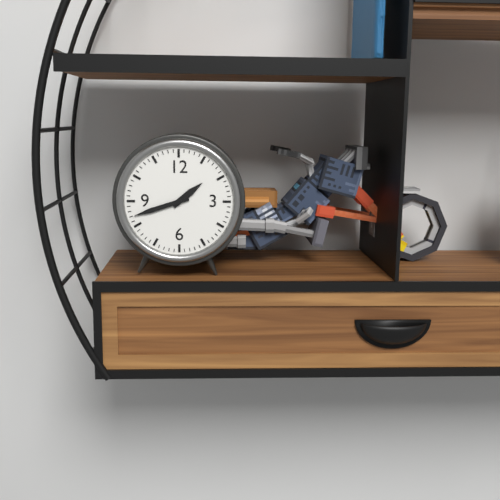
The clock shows 1.42
